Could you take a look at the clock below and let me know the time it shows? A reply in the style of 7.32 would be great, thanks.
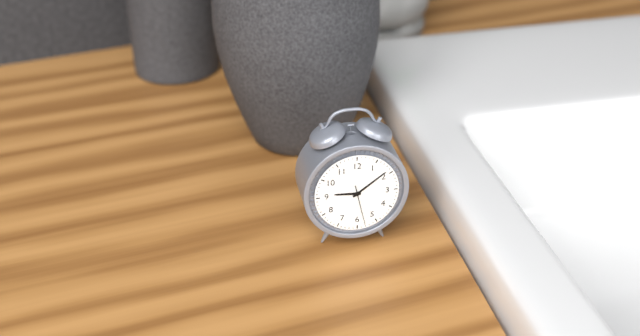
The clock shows 9.09
